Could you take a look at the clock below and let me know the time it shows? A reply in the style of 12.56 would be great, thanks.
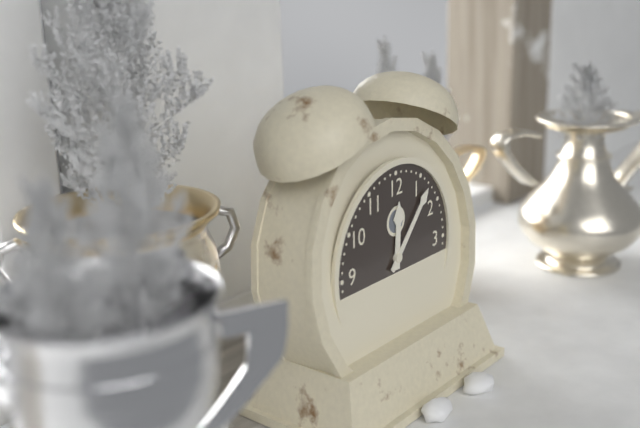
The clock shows 12.07
